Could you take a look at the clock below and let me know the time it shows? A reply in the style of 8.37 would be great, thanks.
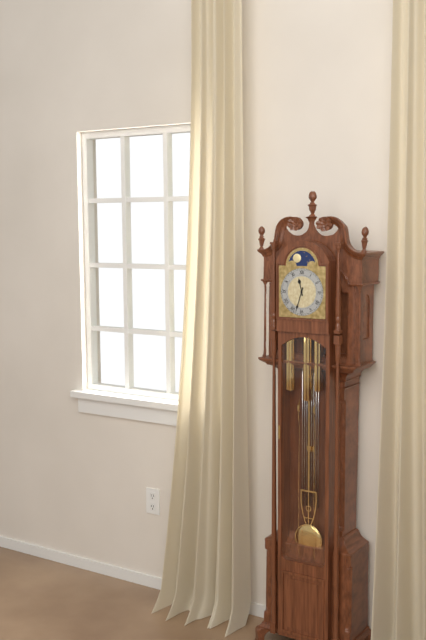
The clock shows 11.33
